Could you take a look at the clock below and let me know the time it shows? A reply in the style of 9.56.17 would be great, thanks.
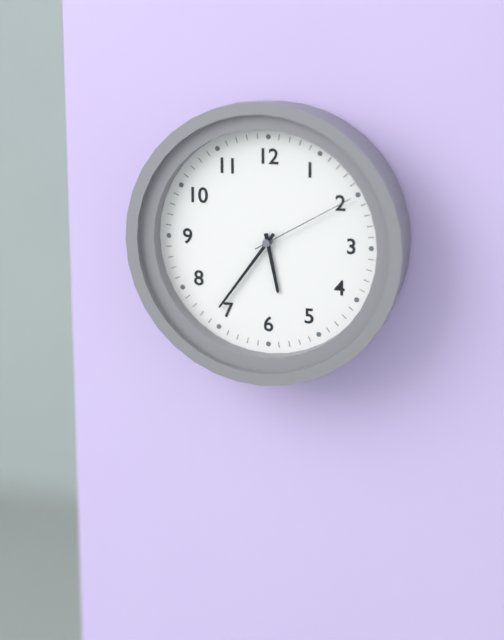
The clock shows 5.36.10
